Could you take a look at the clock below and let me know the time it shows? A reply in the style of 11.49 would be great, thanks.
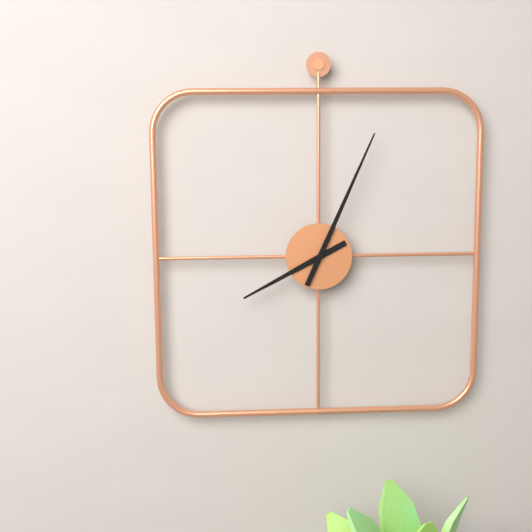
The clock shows 8.04
